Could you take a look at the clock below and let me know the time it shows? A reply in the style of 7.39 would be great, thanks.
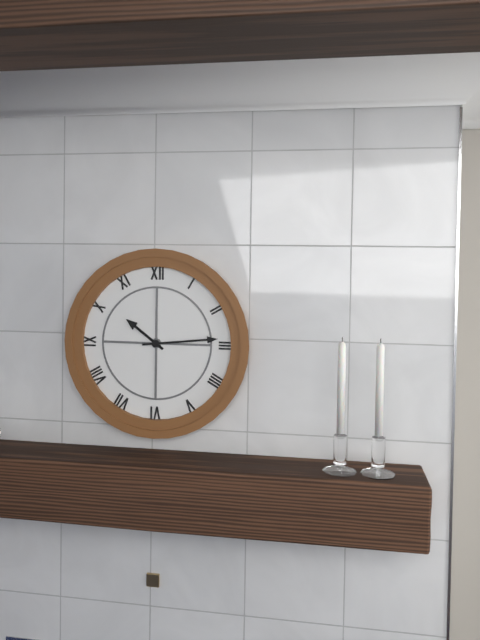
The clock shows 10.14
